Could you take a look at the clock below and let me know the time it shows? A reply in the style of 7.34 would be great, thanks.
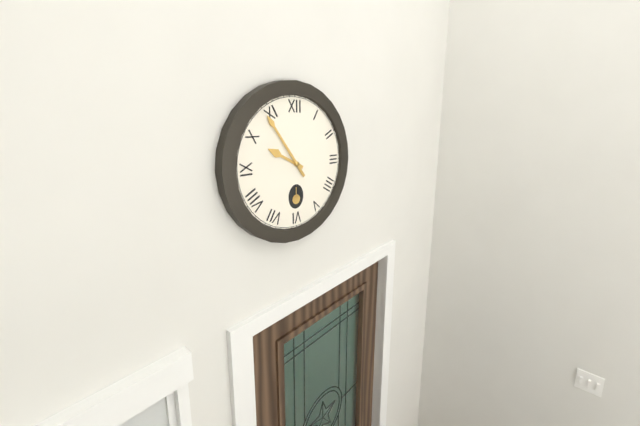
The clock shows 9.54
